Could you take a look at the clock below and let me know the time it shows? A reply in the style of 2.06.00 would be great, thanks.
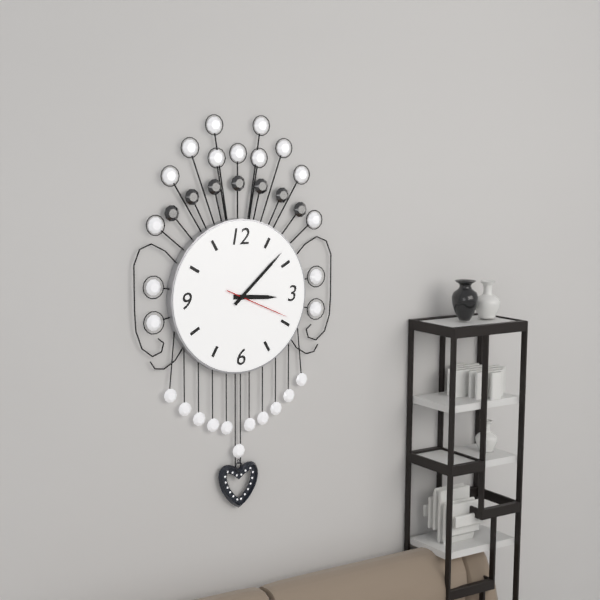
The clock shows 3.08.19
